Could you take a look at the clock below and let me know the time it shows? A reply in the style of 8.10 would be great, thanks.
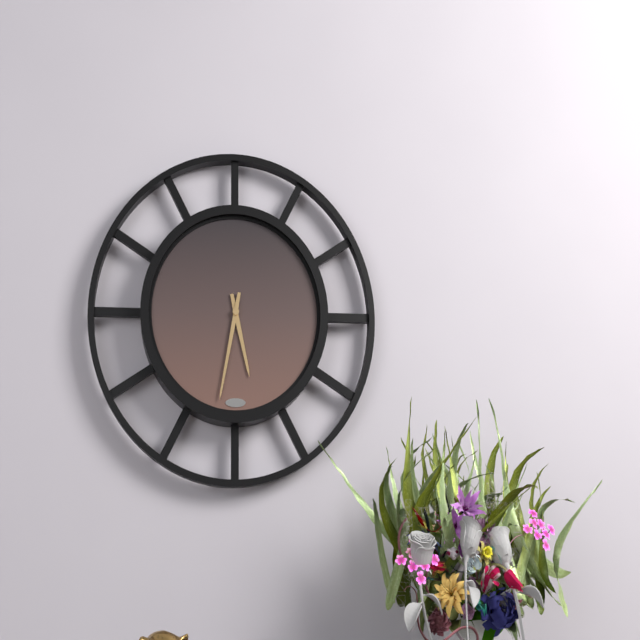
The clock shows 5.32
